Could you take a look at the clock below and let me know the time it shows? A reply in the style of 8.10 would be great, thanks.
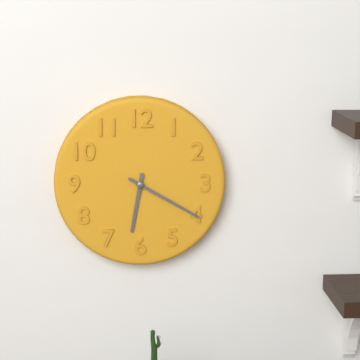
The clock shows 6.20
